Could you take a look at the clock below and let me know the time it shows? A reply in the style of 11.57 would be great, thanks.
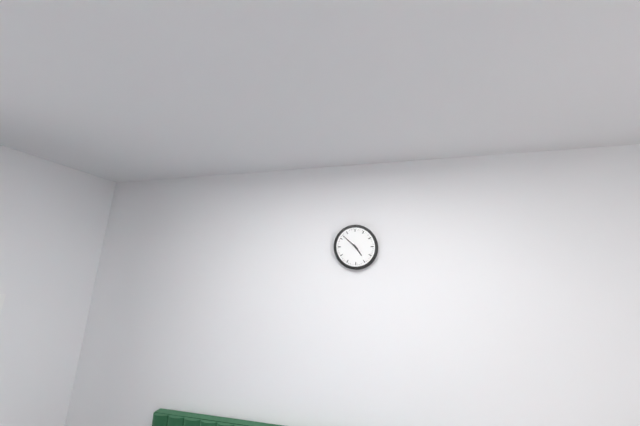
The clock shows 4.52
